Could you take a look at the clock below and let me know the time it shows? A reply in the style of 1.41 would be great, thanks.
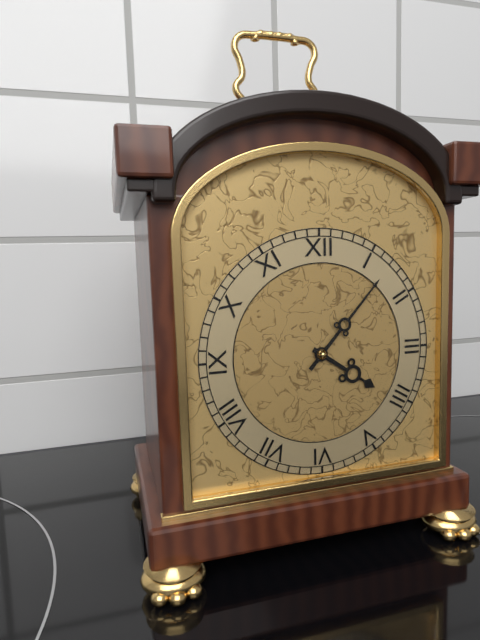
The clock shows 4.07
